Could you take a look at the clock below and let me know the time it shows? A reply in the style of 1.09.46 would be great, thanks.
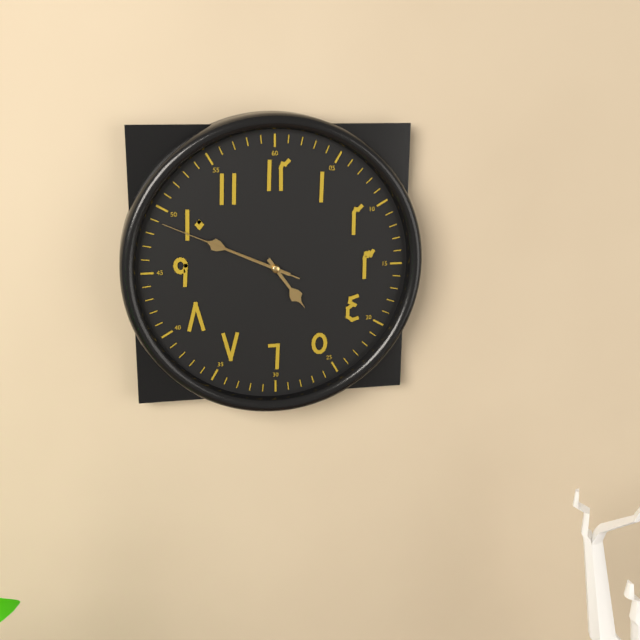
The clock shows 4.49.49
